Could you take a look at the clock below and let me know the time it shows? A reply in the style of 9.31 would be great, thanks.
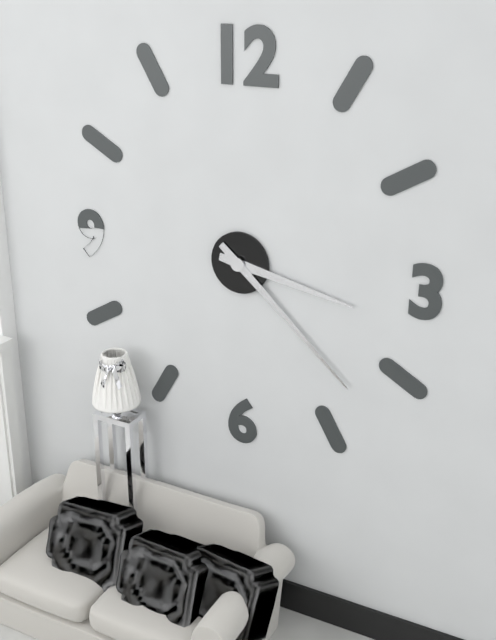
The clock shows 3.22
